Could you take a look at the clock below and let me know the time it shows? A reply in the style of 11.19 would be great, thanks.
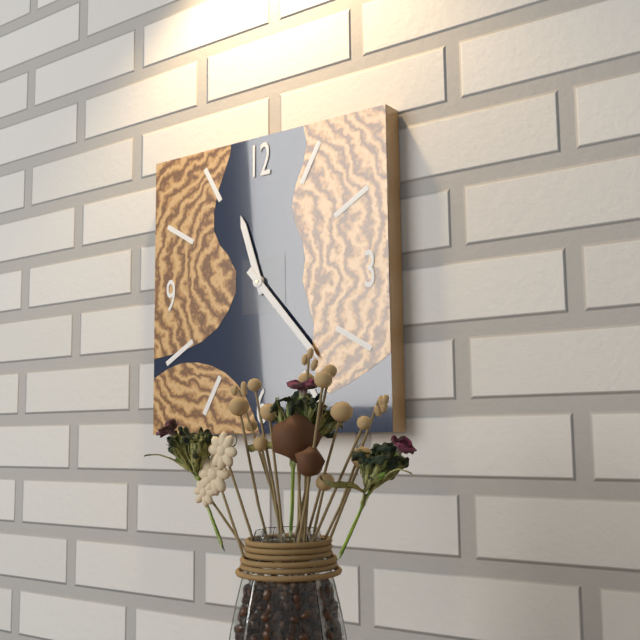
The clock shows 11.23
